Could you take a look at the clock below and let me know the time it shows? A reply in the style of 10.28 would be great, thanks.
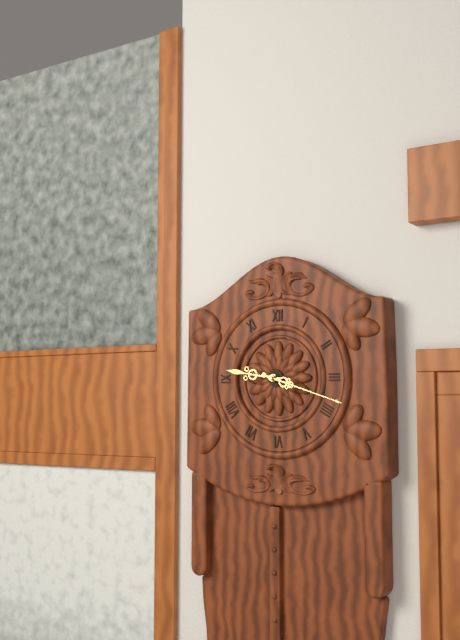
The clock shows 9.18
